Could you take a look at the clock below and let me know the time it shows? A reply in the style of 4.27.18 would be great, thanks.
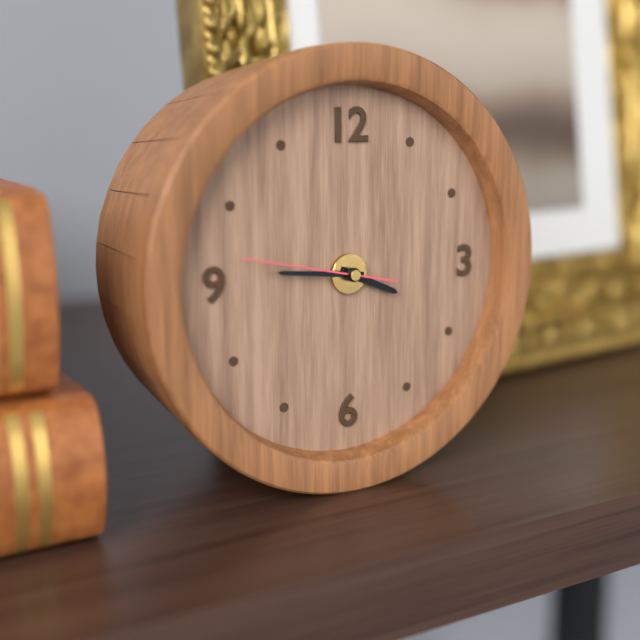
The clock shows 3.46.47
